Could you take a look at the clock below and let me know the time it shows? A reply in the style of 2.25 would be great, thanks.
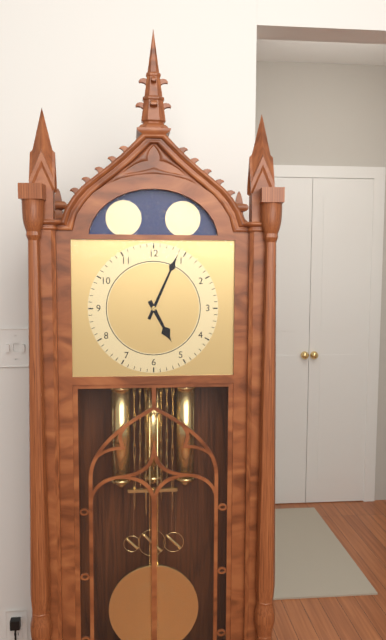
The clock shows 5.04
